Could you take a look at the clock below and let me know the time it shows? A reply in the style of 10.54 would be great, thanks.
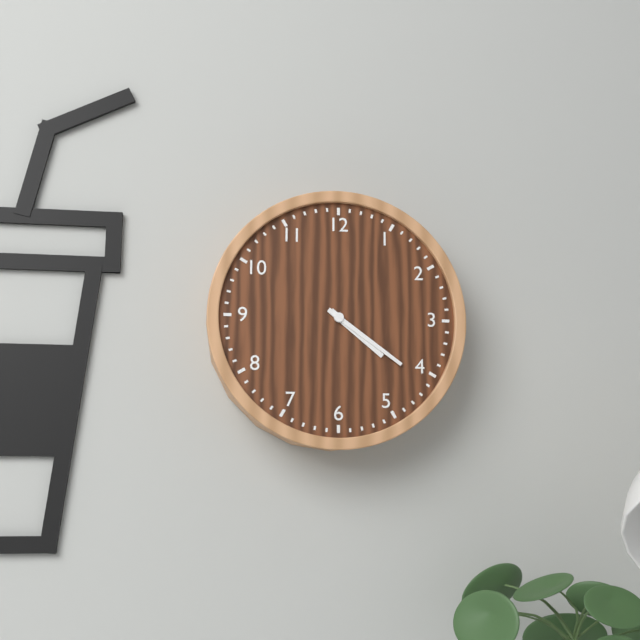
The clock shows 4.21
